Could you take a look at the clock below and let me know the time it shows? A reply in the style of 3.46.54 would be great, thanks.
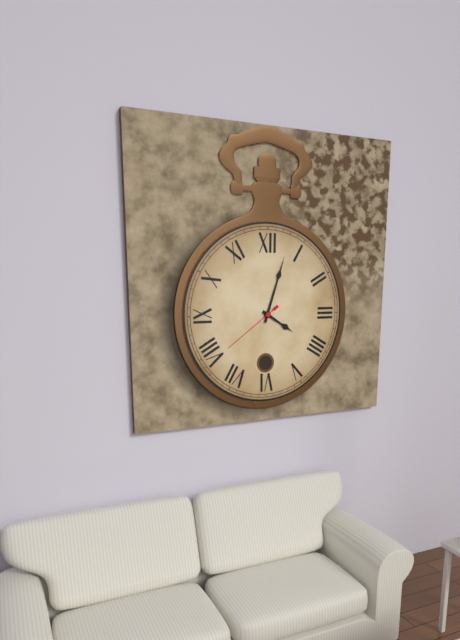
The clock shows 4.03.39
